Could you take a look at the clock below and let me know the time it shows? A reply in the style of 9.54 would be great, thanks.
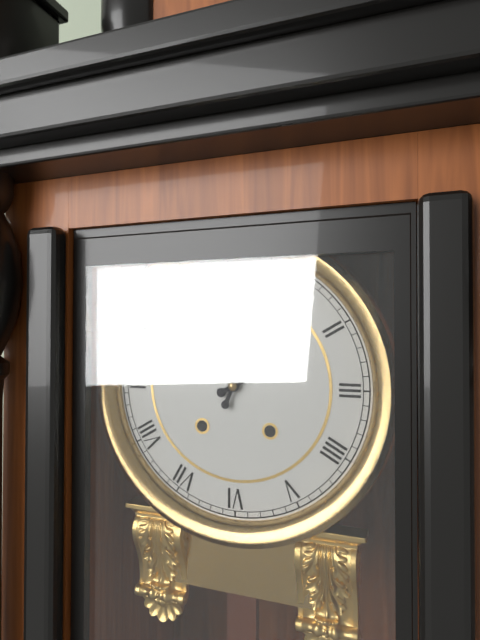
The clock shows 2.04
